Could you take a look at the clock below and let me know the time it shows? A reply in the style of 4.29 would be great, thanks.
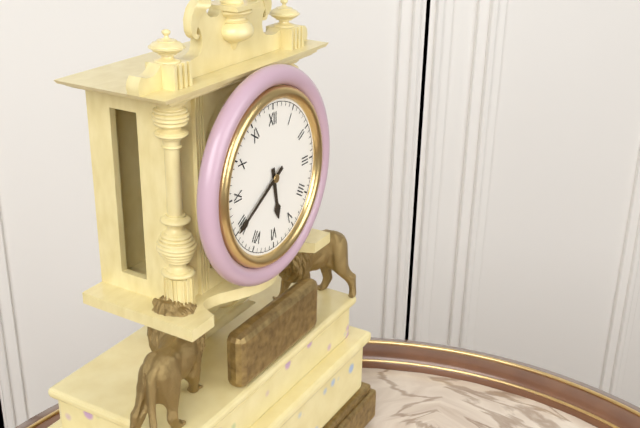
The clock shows 5.40
